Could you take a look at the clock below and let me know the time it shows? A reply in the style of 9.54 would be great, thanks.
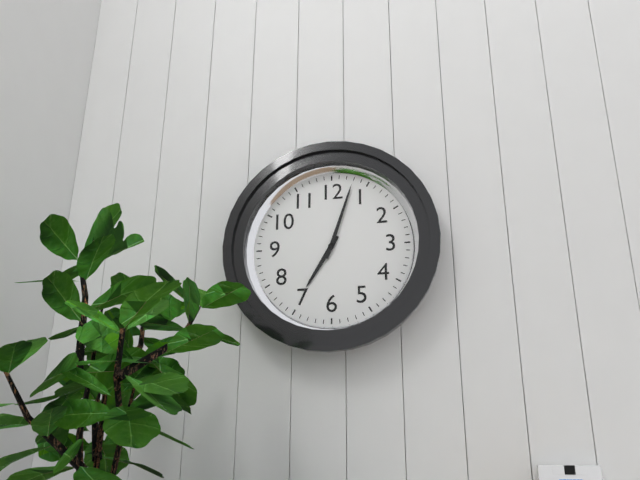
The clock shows 7.03
